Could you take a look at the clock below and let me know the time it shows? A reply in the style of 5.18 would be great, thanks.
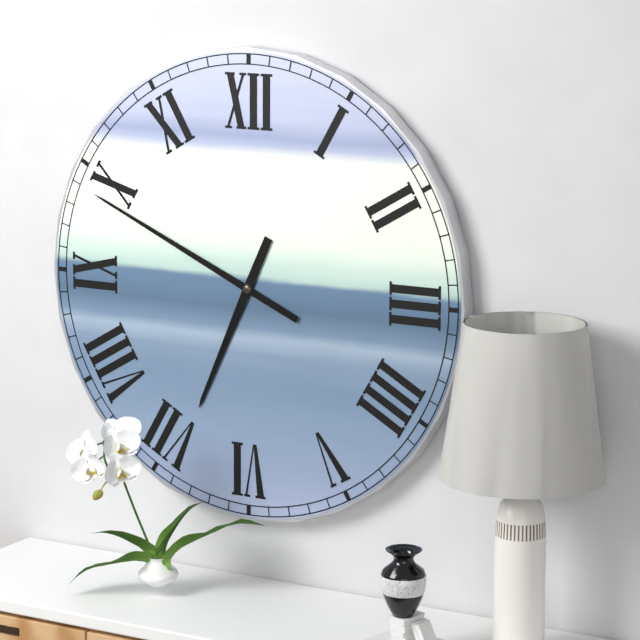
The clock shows 6.49
